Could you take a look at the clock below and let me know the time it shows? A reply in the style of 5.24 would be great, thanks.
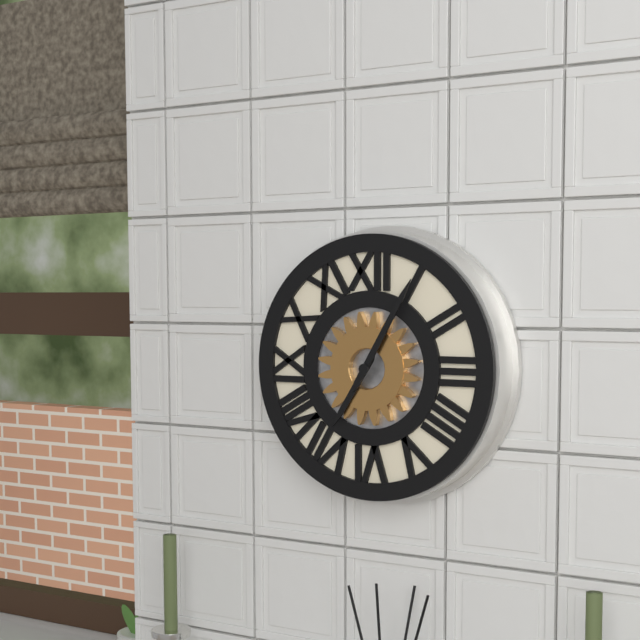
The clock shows 7.05
